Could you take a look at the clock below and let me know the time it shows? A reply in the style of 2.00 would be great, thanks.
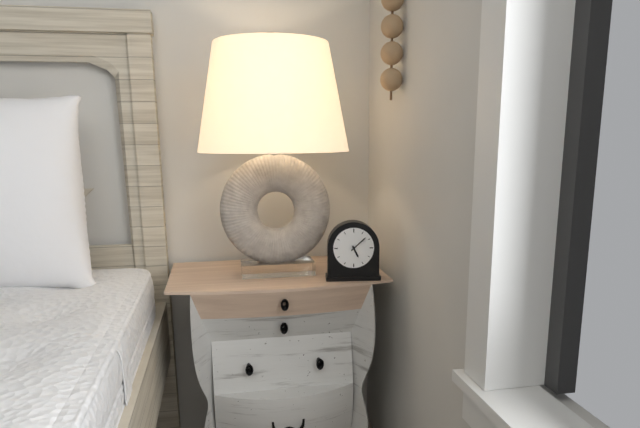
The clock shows 5.08
